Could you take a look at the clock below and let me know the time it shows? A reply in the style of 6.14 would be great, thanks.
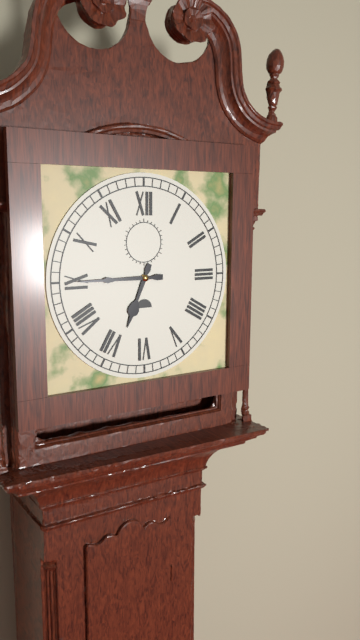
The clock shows 6.45
